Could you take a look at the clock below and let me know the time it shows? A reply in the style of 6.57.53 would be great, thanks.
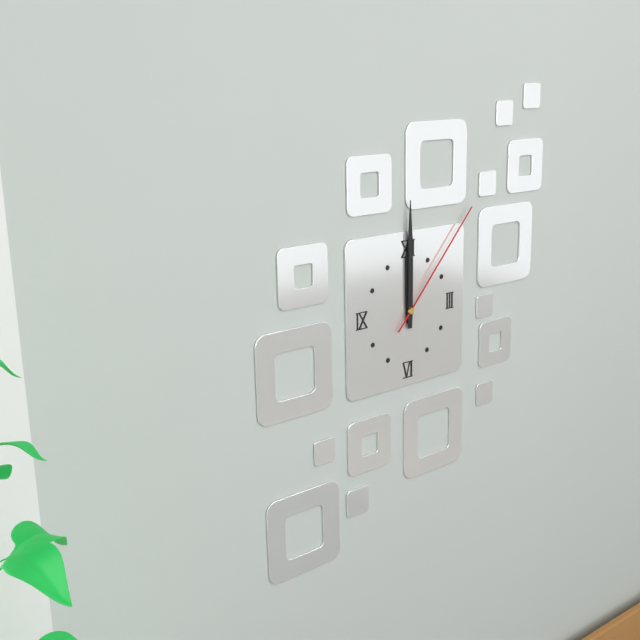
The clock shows 12.00.07
